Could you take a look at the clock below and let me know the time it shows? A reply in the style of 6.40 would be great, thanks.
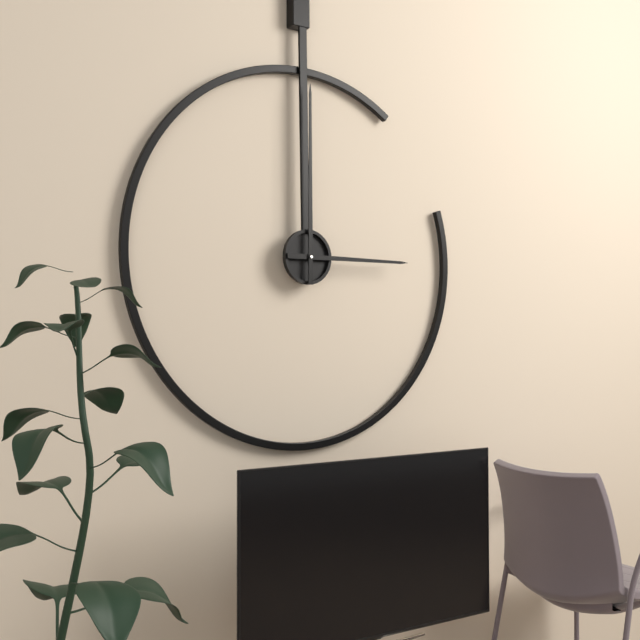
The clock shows 3.00
